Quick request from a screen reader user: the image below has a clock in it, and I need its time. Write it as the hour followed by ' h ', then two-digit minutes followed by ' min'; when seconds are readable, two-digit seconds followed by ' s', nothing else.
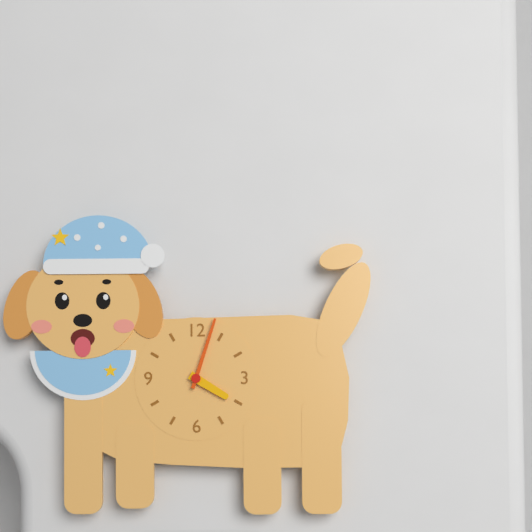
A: 4 h 03 min
